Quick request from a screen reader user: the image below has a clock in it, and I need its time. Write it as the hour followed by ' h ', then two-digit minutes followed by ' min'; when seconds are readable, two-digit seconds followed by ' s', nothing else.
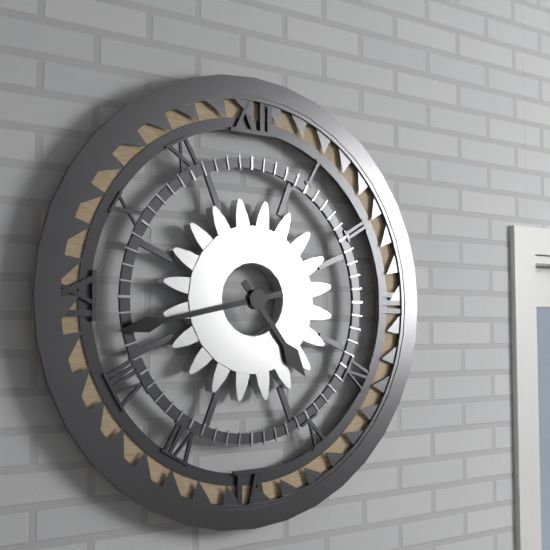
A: 4 h 43 min
